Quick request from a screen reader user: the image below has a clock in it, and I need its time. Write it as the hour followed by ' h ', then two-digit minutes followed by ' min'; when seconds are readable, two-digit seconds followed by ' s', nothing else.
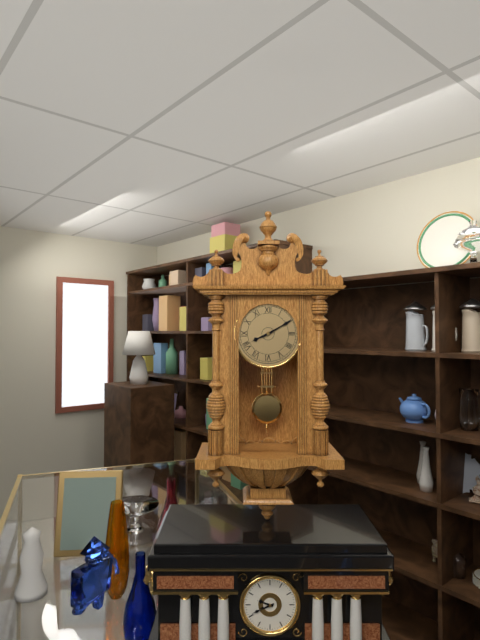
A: 8 h 10 min
